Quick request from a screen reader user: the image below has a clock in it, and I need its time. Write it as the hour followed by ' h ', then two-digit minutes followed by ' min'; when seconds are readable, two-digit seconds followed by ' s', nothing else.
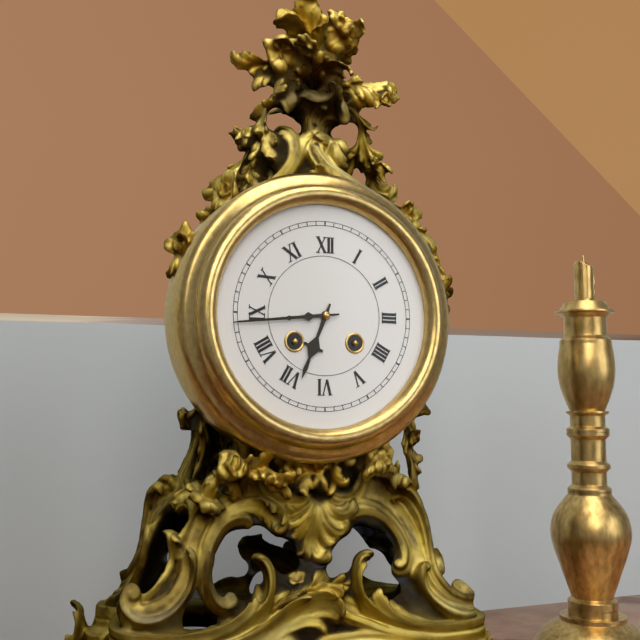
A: 6 h 44 min
